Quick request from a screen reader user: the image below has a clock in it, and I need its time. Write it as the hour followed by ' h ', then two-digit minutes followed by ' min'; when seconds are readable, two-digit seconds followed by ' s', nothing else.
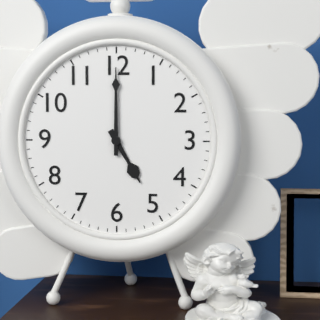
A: 5 h 00 min
